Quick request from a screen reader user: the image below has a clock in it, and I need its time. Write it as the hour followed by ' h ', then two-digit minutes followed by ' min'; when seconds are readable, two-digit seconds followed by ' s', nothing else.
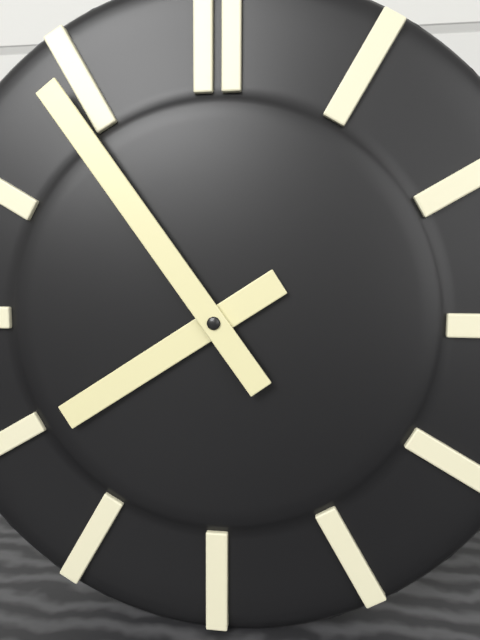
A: 7 h 54 min
